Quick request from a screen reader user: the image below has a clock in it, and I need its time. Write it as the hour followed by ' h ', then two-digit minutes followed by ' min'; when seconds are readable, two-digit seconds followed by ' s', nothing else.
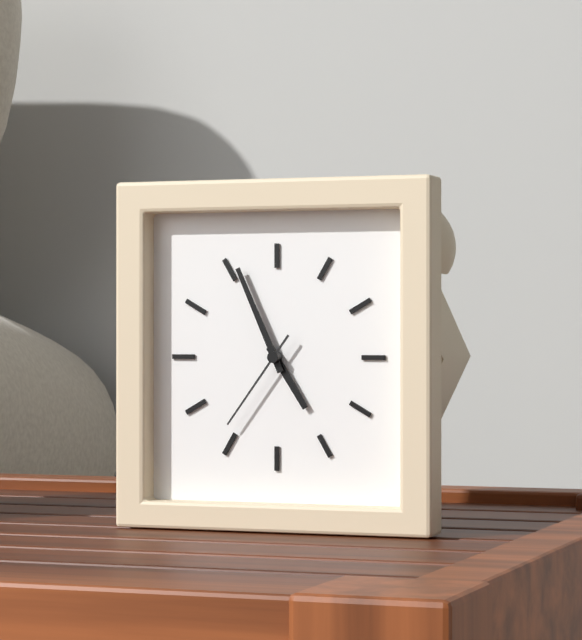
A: 4 h 56 min 36 s
